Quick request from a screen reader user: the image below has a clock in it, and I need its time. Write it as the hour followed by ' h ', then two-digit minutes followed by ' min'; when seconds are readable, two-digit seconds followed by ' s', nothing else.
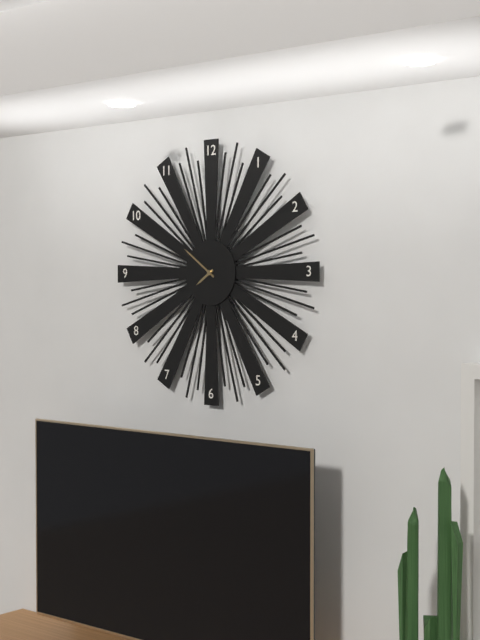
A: 7 h 51 min
